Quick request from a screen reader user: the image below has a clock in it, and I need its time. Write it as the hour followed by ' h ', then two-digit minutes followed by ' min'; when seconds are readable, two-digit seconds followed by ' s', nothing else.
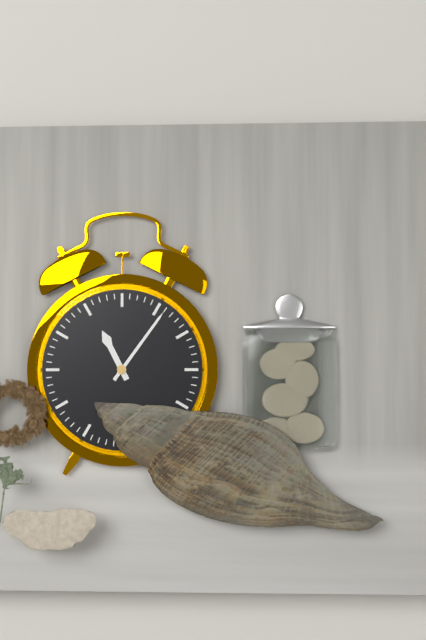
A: 11 h 06 min
